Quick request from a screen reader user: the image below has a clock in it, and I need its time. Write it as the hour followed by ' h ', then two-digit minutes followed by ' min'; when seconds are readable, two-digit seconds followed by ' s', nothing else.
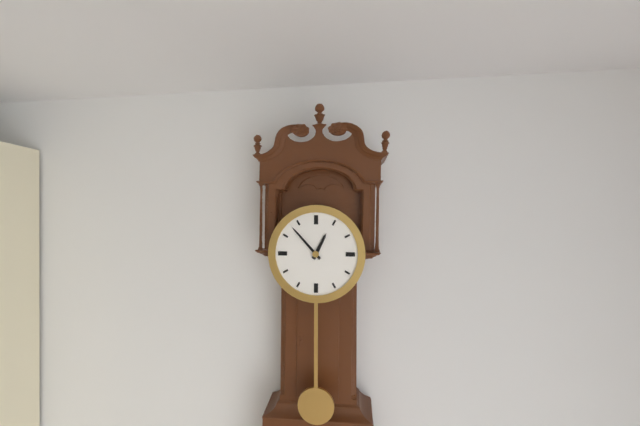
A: 12 h 53 min
